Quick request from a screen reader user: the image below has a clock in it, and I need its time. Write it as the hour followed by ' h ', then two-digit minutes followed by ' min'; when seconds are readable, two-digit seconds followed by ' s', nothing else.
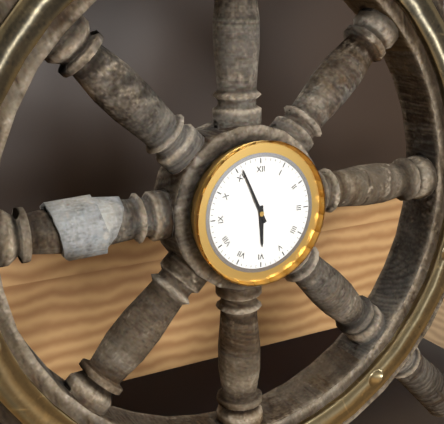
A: 5 h 56 min
